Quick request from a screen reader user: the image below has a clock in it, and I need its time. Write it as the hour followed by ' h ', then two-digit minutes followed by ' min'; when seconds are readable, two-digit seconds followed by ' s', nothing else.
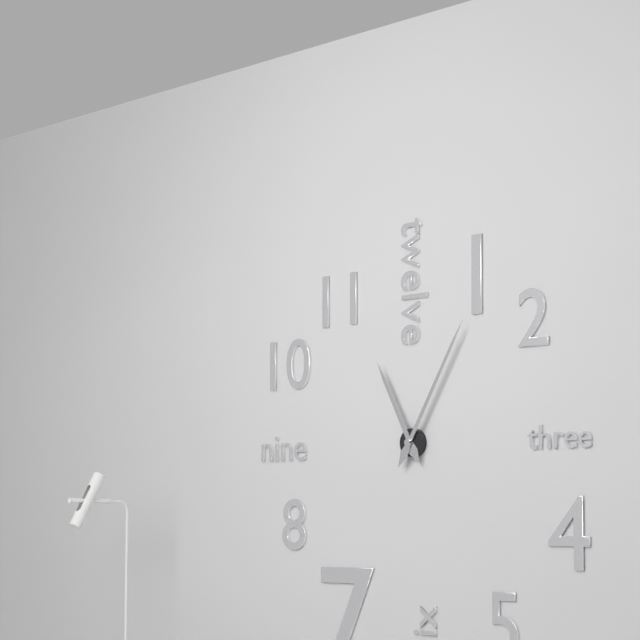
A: 11 h 05 min
